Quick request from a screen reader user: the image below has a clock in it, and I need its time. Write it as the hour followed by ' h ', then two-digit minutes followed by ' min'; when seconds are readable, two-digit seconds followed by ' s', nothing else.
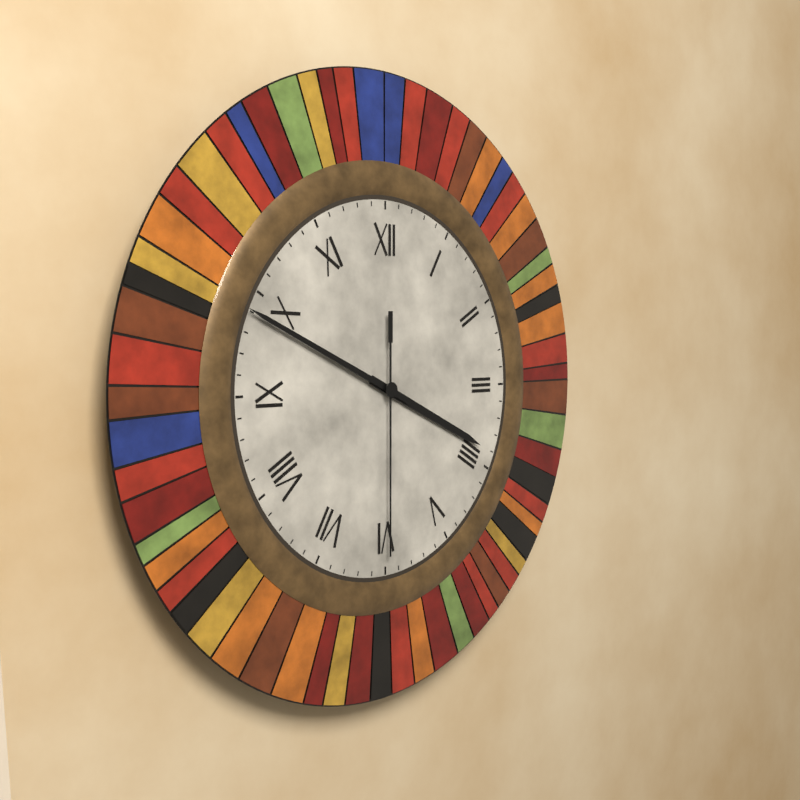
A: 3 h 49 min 30 s
